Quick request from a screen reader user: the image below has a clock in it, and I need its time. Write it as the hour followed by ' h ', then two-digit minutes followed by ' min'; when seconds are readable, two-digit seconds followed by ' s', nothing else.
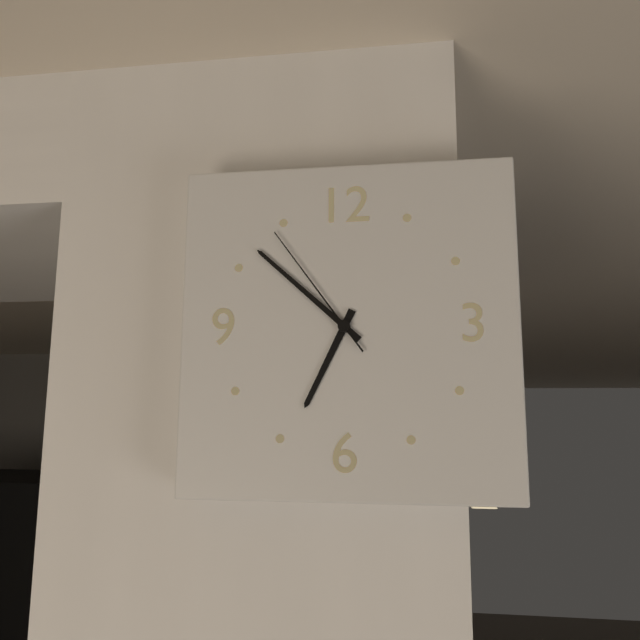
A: 6 h 52 min 54 s
